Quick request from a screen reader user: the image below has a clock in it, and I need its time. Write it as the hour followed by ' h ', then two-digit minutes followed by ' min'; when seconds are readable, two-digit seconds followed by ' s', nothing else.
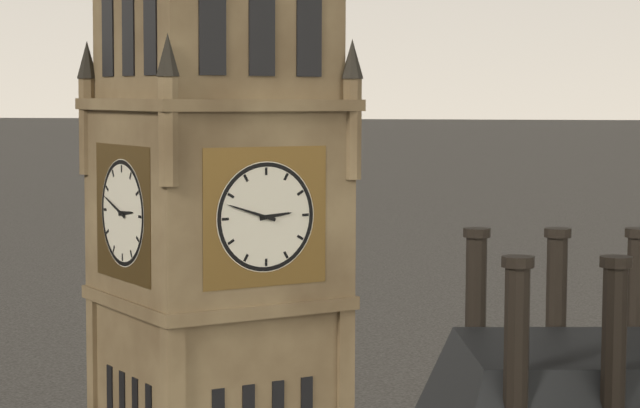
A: 2 h 48 min
